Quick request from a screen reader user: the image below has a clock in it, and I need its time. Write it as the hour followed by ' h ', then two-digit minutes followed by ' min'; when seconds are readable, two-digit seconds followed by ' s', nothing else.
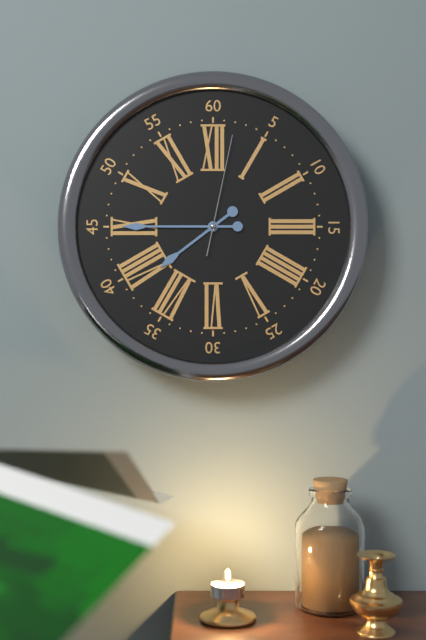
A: 7 h 45 min 02 s
